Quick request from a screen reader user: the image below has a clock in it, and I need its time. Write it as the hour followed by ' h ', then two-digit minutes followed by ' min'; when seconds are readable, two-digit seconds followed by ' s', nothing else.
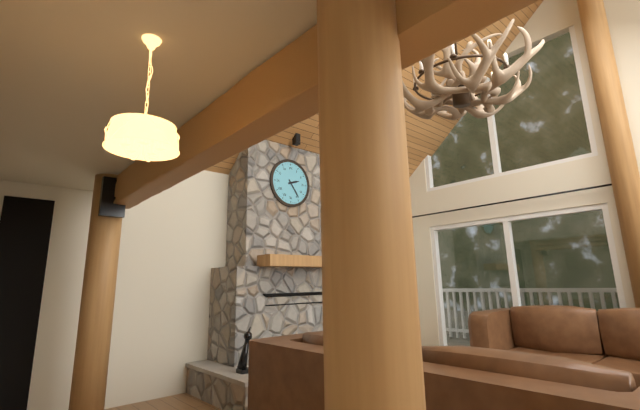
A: 2 h 24 min
